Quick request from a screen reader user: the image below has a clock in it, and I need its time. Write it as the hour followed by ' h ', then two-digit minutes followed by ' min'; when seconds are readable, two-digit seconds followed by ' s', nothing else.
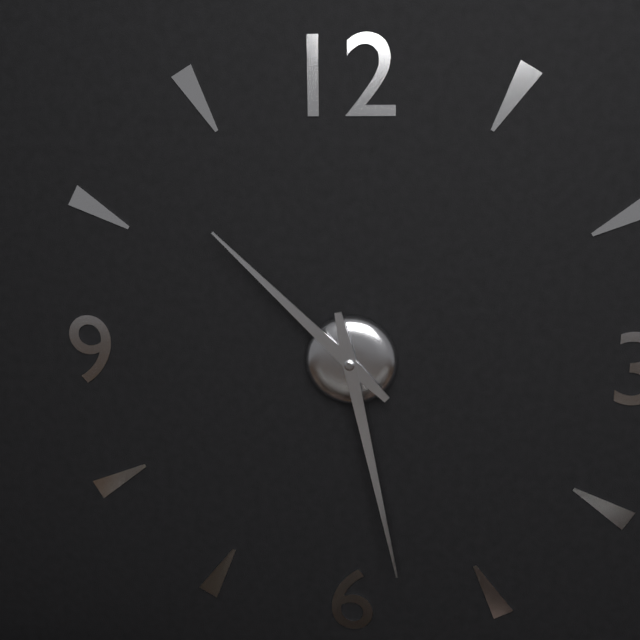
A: 10 h 28 min
